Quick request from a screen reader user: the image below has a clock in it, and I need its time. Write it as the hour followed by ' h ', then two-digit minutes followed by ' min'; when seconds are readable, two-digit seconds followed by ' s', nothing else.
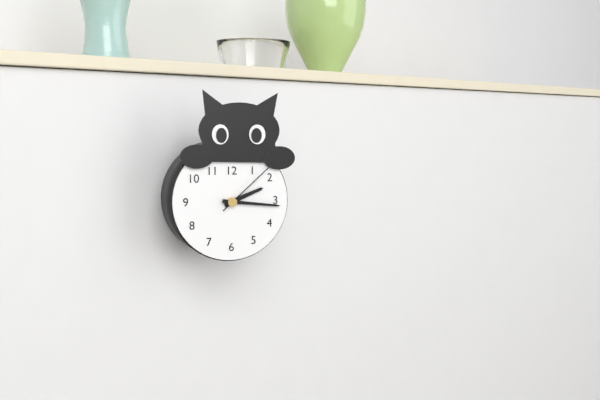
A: 2 h 16 min 08 s
